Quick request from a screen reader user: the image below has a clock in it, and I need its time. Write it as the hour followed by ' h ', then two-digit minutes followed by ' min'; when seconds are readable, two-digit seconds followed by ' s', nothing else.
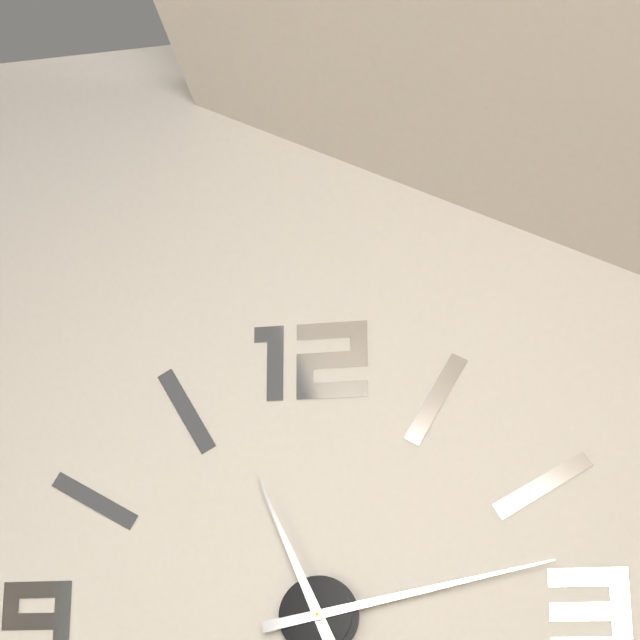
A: 11 h 13 min
